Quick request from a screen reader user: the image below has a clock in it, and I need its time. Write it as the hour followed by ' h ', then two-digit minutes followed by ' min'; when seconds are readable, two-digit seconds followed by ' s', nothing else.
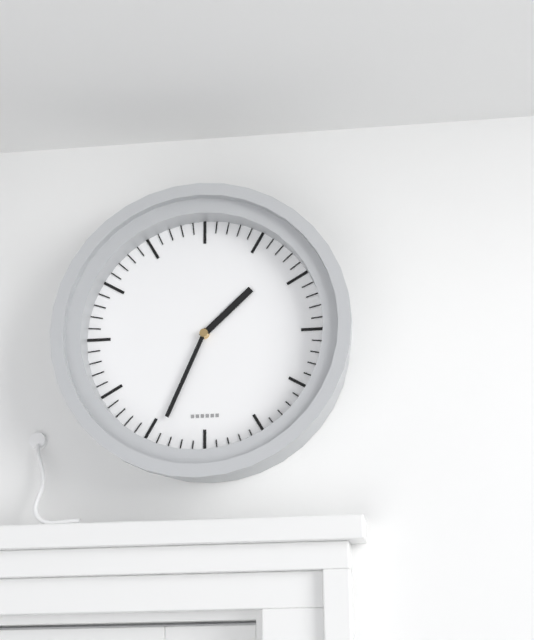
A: 1 h 34 min
